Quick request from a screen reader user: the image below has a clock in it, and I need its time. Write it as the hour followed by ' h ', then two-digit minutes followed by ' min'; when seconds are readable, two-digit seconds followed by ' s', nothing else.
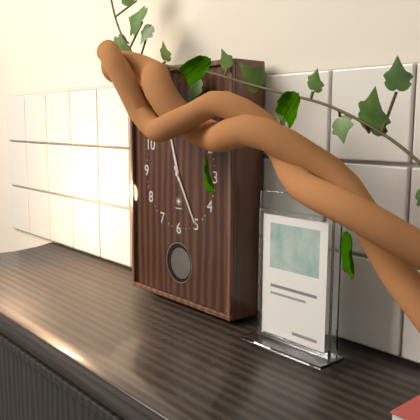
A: 11 h 25 min
